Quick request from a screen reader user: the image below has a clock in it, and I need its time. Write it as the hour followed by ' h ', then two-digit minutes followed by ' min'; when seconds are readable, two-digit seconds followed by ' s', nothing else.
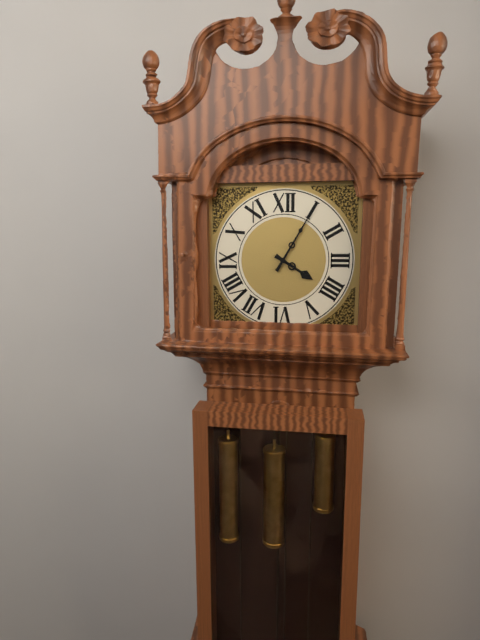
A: 4 h 05 min
